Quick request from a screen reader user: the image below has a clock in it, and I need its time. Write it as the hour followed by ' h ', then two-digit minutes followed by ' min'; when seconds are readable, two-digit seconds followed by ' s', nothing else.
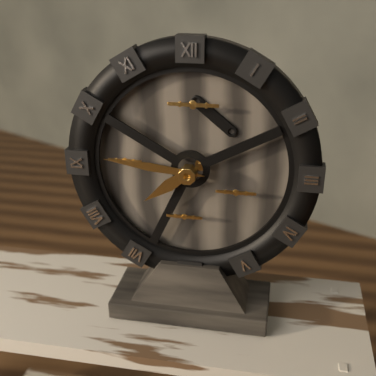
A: 7 h 46 min
